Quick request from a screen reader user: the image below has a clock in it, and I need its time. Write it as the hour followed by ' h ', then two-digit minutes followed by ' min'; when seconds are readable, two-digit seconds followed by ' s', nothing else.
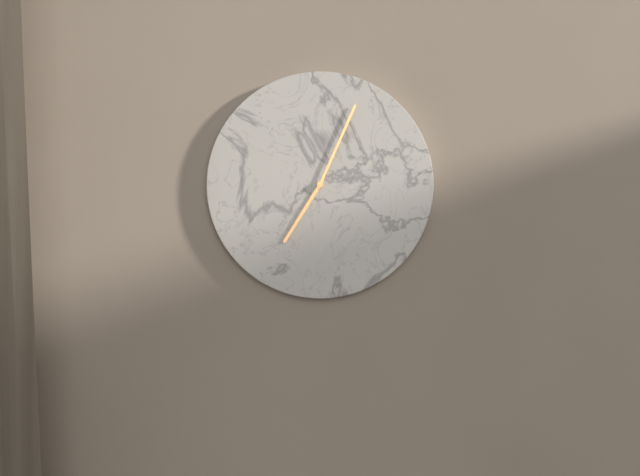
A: 7 h 04 min
